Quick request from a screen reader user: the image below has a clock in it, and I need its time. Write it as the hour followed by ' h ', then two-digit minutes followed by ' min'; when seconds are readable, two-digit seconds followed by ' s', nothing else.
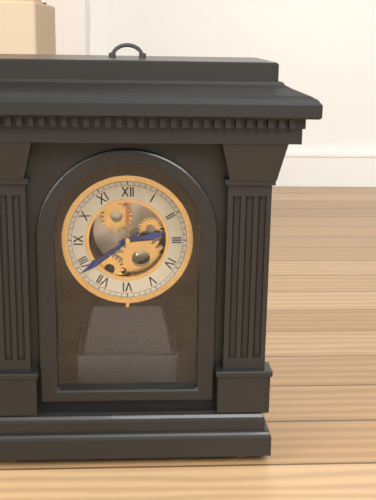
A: 2 h 39 min
